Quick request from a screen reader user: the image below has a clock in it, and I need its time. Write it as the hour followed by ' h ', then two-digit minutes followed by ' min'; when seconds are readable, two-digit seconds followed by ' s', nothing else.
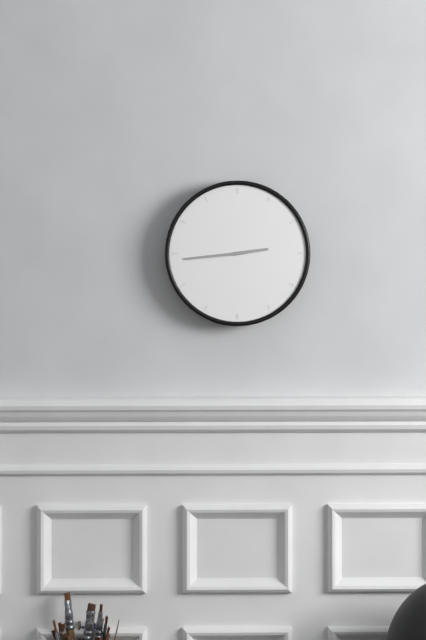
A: 2 h 44 min
